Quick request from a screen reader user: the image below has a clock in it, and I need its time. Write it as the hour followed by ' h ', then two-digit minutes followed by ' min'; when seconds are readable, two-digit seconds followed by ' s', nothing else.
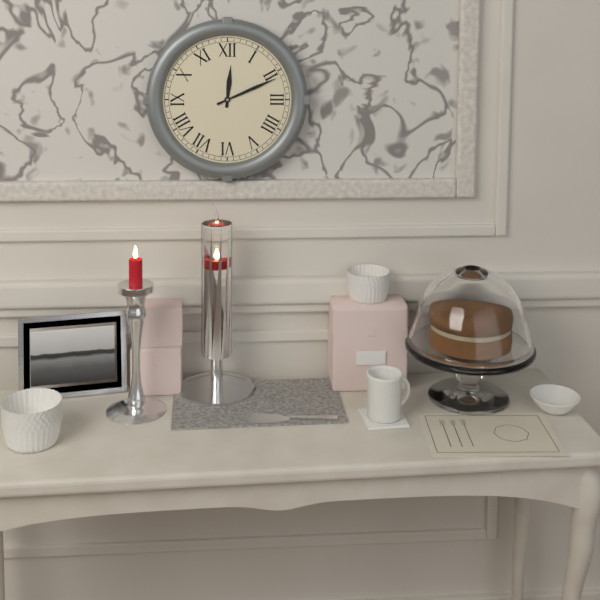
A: 12 h 11 min
